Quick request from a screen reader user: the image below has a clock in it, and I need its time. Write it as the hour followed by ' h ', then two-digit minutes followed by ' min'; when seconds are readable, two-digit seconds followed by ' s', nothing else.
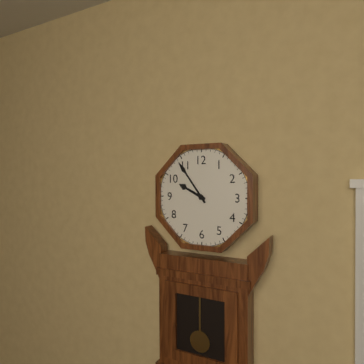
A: 9 h 54 min
